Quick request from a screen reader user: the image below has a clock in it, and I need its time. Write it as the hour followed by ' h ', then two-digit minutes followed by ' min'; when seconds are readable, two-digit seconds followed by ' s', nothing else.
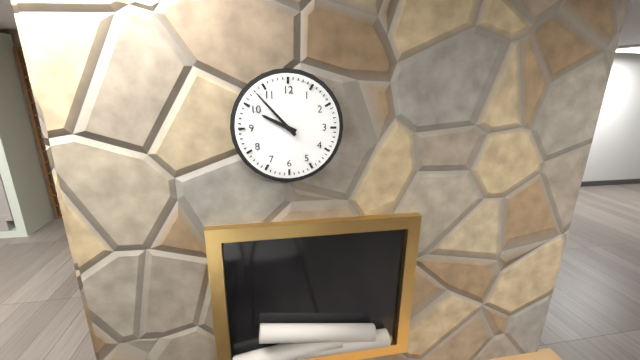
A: 9 h 53 min
